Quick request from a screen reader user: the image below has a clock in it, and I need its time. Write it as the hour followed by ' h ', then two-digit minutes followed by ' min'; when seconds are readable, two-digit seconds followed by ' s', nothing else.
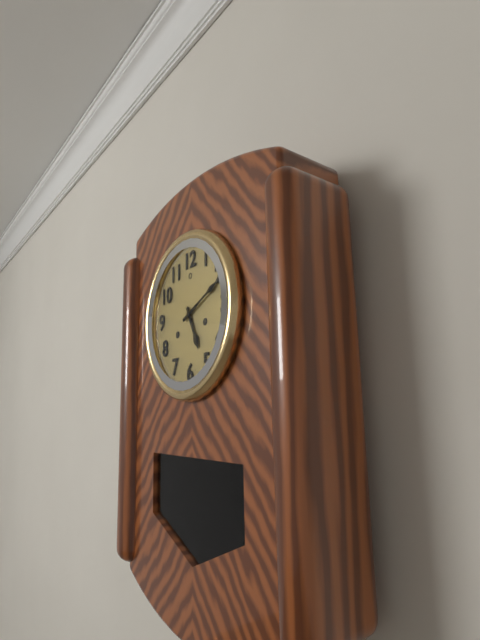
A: 5 h 11 min
